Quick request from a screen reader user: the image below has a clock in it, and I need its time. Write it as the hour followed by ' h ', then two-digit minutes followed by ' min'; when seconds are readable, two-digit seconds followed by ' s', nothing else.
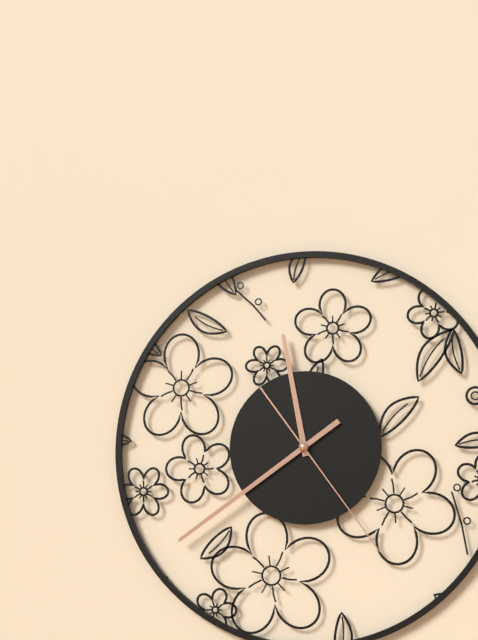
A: 11 h 39 min 24 s
